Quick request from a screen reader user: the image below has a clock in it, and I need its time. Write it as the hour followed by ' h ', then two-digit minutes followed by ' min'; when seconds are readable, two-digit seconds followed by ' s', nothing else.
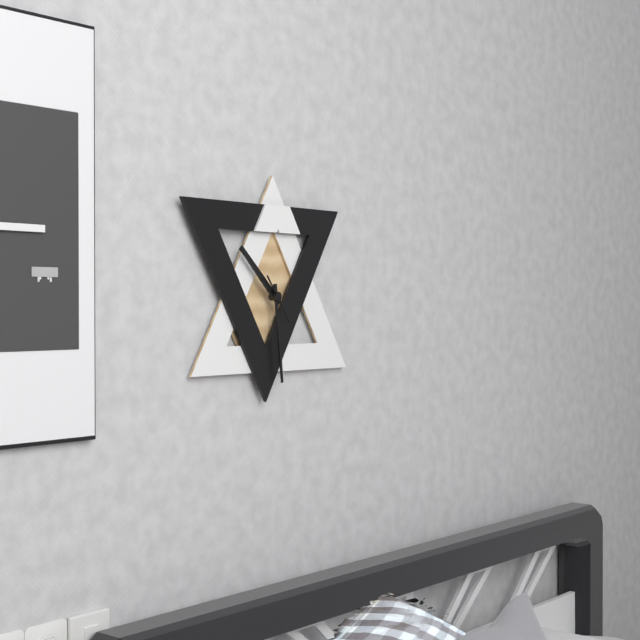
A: 10 h 29 min
